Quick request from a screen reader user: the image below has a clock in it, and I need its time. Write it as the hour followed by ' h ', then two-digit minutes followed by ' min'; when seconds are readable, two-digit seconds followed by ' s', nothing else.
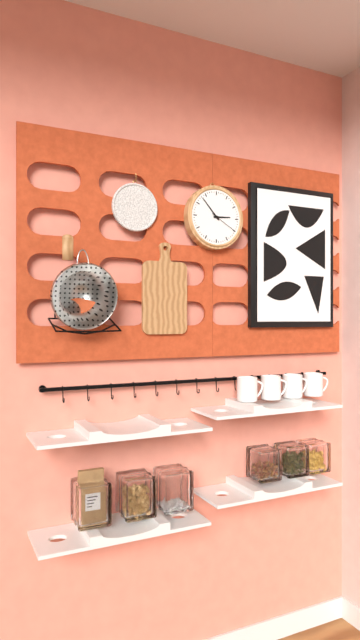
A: 2 h 53 min
